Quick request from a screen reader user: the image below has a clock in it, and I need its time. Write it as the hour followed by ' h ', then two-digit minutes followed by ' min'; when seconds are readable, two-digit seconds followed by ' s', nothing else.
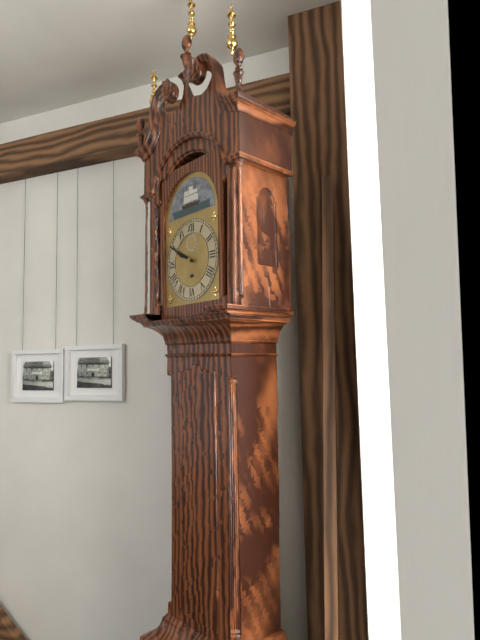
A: 9 h 50 min
